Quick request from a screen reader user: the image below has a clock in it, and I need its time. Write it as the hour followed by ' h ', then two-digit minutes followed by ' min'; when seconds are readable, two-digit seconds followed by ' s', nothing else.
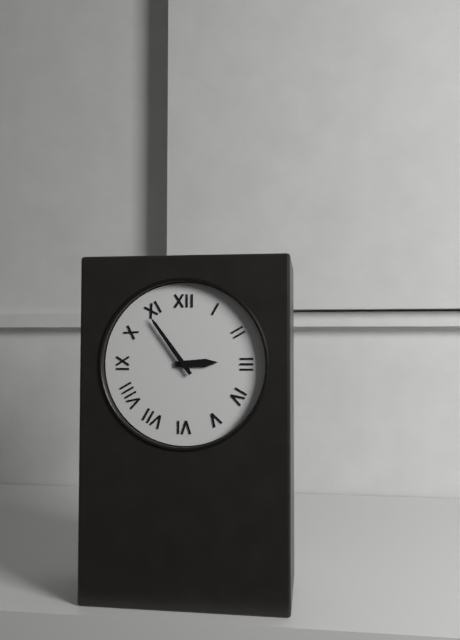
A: 2 h 54 min
